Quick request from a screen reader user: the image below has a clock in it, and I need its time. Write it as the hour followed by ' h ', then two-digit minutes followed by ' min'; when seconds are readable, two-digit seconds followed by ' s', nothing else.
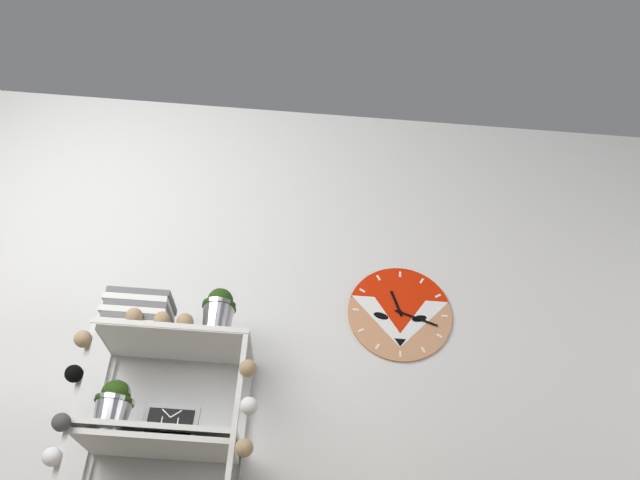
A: 11 h 18 min
